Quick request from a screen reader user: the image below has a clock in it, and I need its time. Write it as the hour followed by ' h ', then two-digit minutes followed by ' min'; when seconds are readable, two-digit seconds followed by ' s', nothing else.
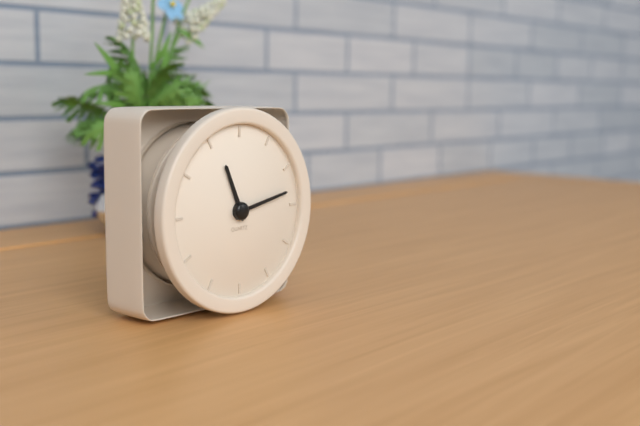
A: 11 h 13 min
